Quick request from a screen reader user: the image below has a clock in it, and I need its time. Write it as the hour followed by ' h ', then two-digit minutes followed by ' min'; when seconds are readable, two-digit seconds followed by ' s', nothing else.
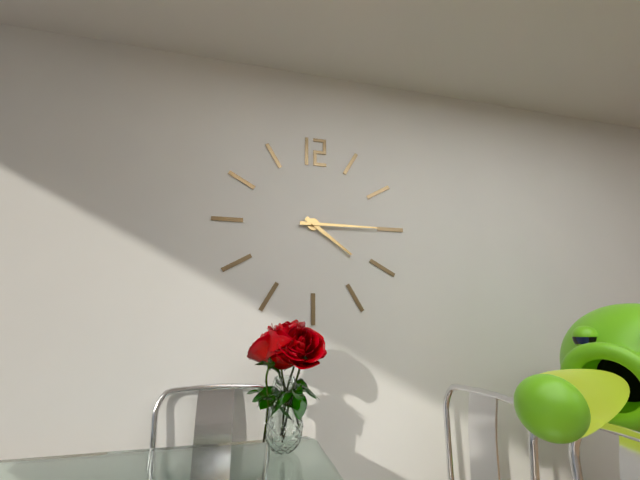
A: 4 h 15 min
